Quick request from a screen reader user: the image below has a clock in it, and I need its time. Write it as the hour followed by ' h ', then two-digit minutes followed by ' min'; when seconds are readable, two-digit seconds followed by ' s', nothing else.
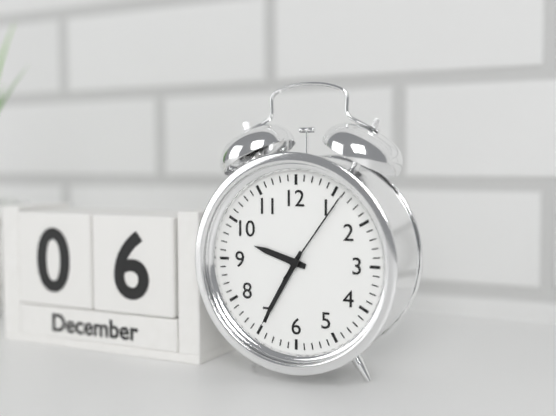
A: 9 h 35 min 06 s
